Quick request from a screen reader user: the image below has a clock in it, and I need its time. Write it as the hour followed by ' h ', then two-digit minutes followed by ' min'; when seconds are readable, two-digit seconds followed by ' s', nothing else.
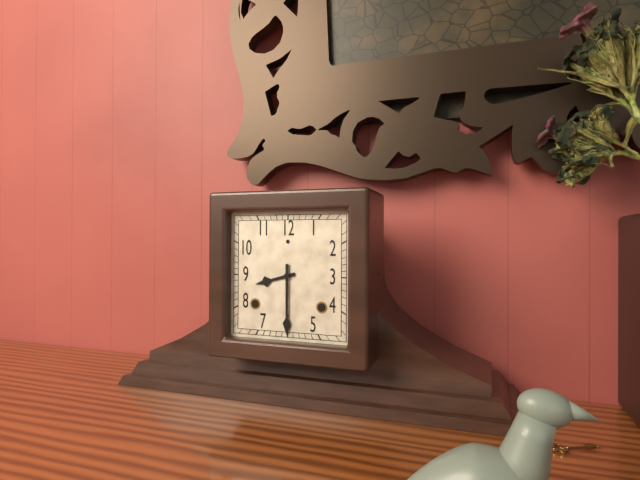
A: 8 h 30 min
